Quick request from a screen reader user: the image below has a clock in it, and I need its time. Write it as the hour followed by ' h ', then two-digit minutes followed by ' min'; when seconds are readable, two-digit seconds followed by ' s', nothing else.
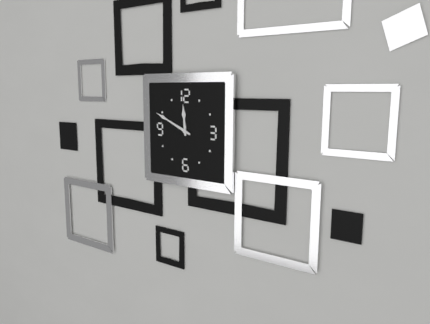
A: 11 h 49 min
